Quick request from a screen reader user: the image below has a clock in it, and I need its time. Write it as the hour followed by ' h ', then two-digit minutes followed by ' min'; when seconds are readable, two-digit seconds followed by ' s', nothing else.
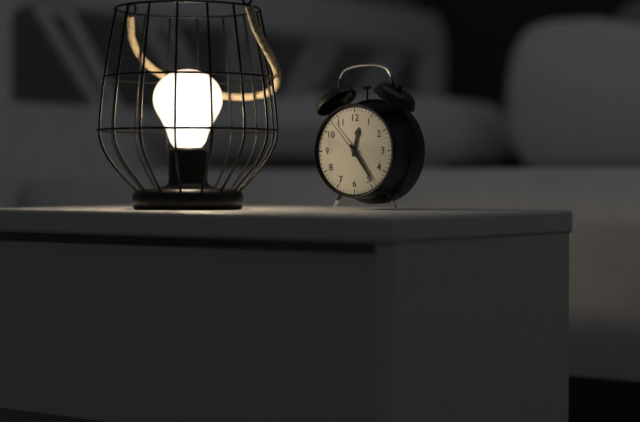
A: 12 h 24 min
